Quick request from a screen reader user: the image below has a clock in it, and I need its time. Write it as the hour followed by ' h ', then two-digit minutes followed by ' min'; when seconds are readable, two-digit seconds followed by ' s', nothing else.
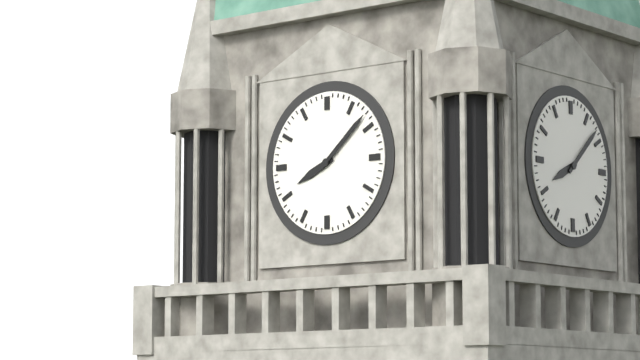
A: 8 h 08 min
